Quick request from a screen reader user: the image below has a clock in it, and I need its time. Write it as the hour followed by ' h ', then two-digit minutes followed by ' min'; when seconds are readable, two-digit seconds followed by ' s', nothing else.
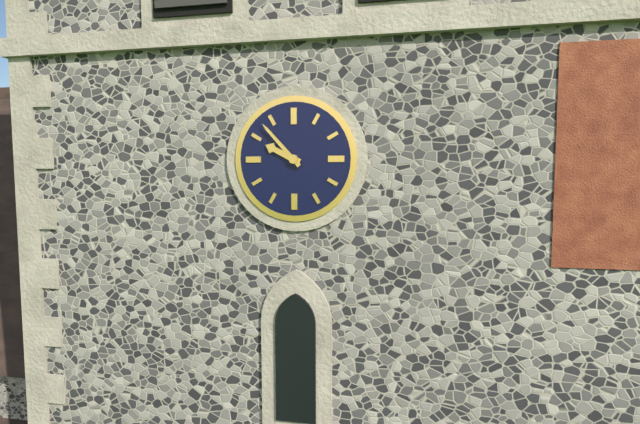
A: 9 h 53 min
